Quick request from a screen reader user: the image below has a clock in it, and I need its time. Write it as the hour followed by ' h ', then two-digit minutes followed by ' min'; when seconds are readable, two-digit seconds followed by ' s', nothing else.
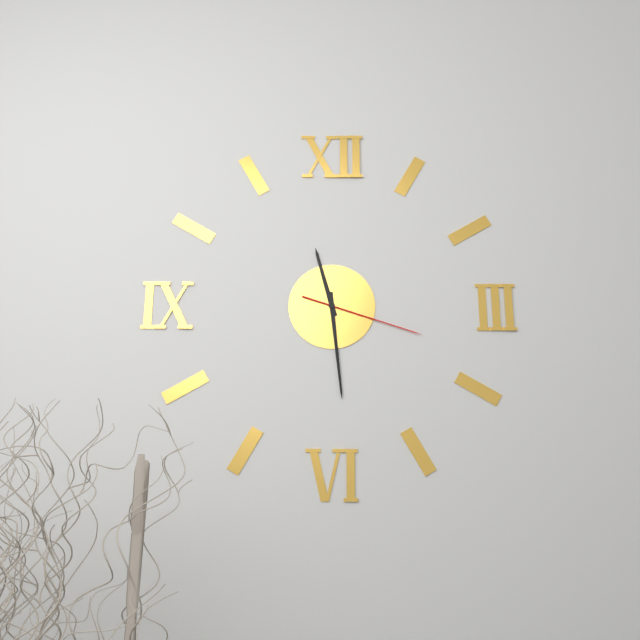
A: 11 h 29 min 18 s
